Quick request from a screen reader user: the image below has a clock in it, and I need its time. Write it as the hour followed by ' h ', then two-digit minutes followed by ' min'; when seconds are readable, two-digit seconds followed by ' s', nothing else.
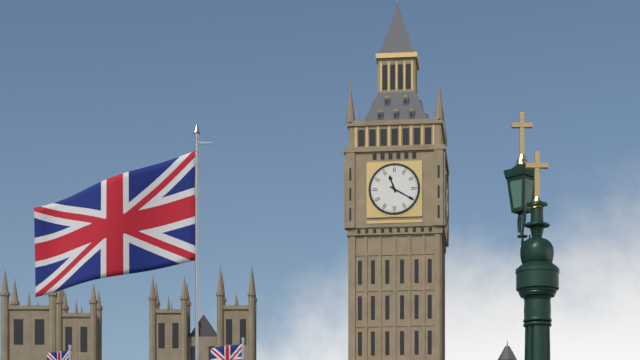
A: 11 h 20 min
